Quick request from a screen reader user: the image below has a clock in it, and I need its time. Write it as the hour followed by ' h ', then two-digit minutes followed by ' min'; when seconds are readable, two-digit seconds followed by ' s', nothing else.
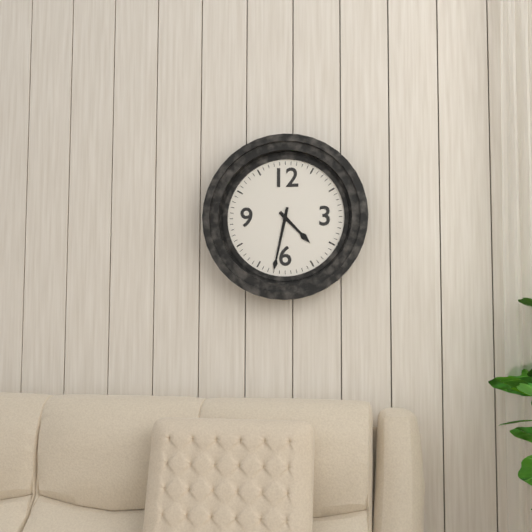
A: 4 h 32 min
